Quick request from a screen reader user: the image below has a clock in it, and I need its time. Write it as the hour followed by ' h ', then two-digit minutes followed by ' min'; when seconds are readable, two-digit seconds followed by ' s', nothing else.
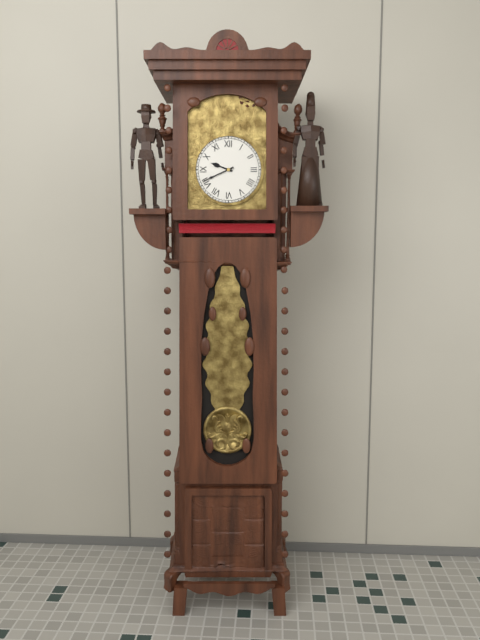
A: 9 h 41 min
